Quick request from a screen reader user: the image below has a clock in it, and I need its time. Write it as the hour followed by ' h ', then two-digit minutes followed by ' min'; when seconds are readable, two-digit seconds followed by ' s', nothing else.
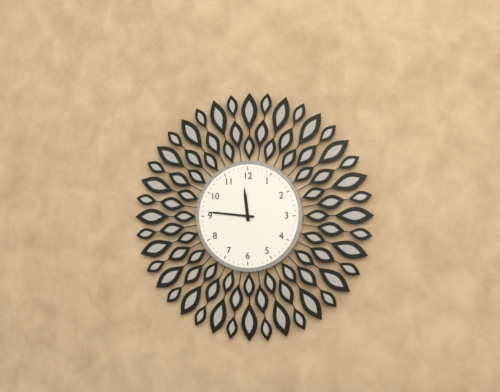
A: 11 h 46 min
